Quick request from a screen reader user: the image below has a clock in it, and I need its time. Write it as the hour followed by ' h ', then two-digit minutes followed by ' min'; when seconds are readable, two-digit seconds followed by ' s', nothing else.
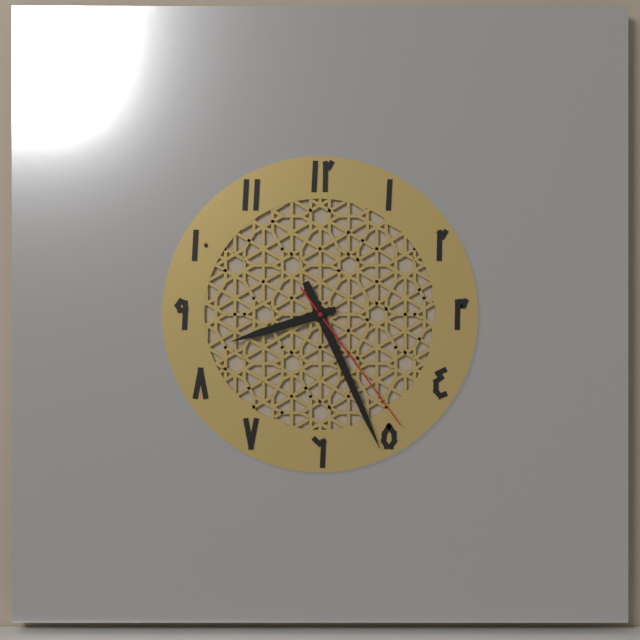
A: 8 h 26 min 24 s
